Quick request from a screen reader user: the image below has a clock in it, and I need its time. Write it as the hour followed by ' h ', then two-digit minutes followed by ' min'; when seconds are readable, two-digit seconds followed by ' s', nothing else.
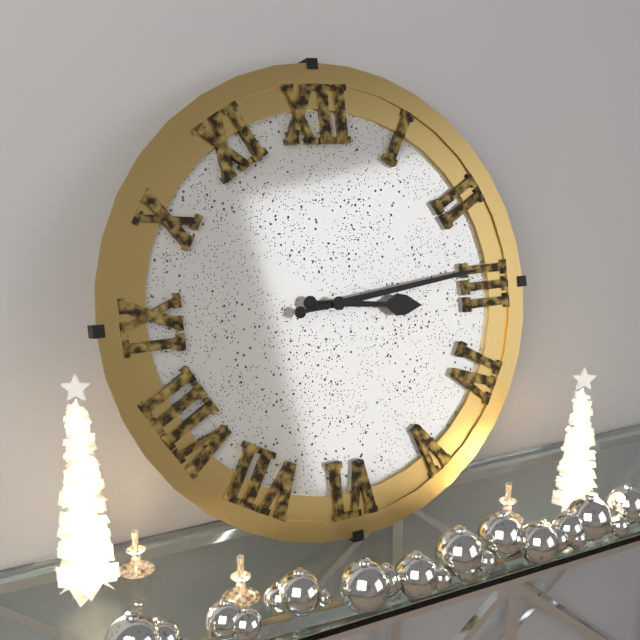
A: 3 h 14 min
